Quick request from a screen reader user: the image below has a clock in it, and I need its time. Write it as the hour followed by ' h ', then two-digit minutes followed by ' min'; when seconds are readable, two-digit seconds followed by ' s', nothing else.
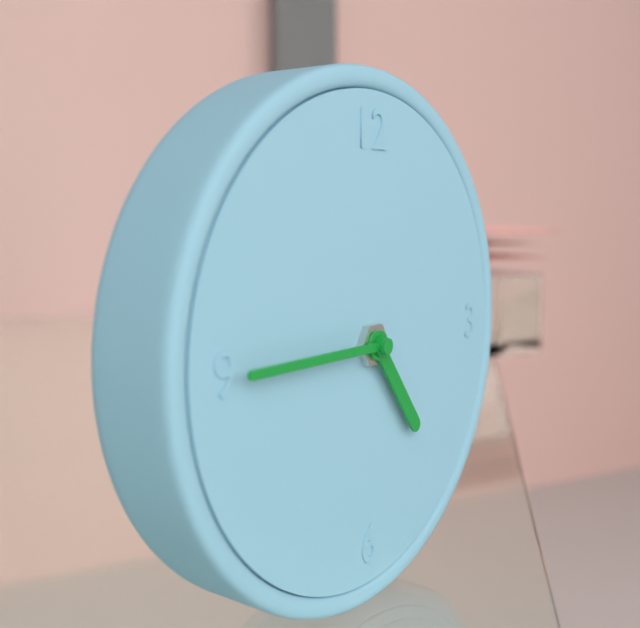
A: 4 h 45 min
